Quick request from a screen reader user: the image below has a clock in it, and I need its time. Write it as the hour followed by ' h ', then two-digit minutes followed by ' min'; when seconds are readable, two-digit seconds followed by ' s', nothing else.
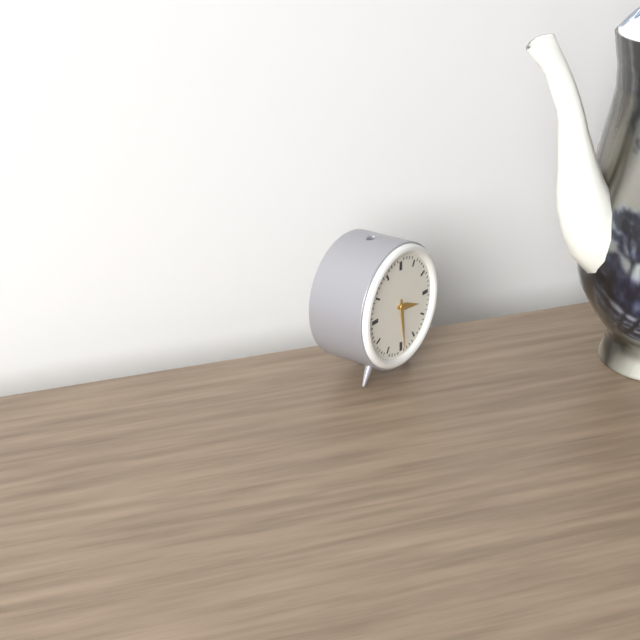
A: 3 h 29 min
